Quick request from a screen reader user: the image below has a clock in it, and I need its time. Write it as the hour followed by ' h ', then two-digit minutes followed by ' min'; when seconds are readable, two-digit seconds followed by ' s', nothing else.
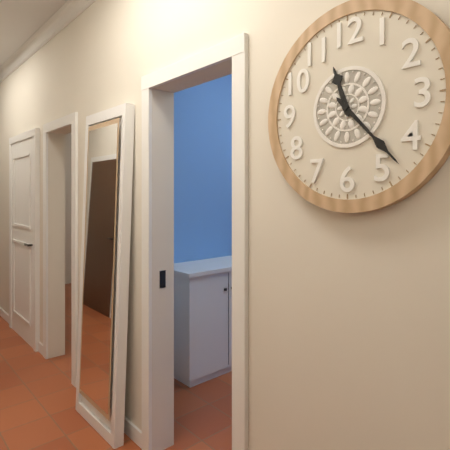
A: 11 h 23 min
